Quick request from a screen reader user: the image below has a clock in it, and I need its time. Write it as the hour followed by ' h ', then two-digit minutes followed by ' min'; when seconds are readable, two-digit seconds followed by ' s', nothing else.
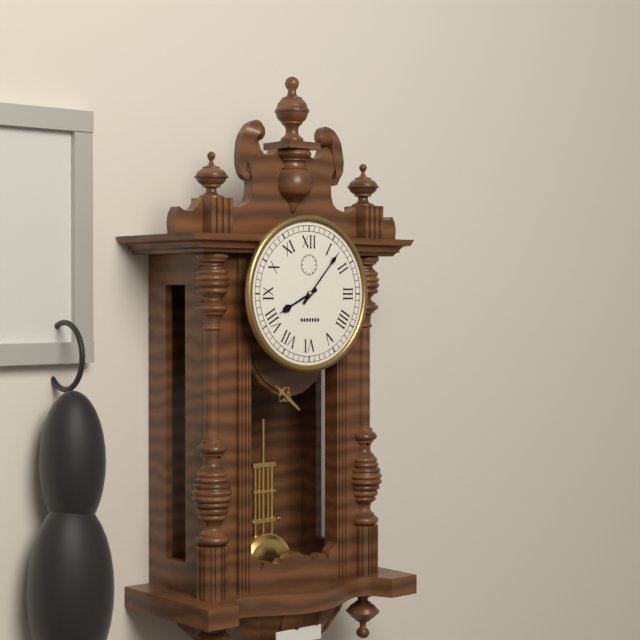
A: 8 h 07 min
